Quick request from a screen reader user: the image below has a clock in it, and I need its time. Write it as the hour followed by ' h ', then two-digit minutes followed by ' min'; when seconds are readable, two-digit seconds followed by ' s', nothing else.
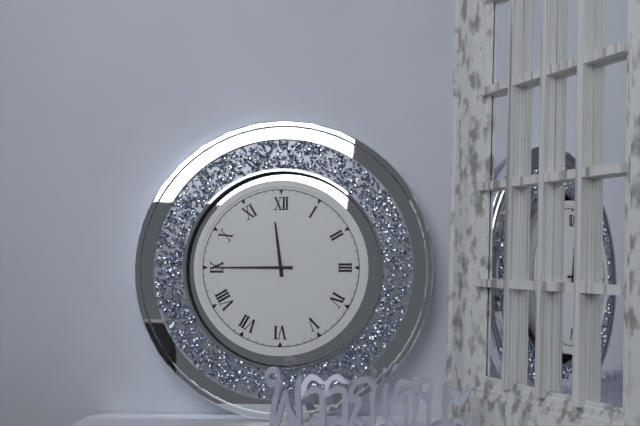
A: 11 h 45 min
